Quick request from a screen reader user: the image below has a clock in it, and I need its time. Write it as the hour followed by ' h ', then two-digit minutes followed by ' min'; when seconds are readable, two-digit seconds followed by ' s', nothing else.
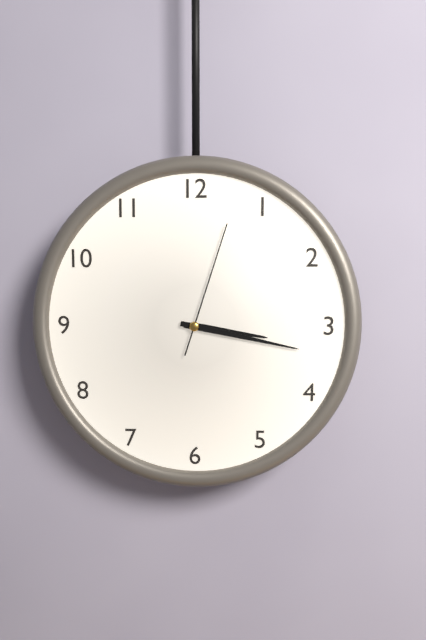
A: 3 h 17 min 03 s
